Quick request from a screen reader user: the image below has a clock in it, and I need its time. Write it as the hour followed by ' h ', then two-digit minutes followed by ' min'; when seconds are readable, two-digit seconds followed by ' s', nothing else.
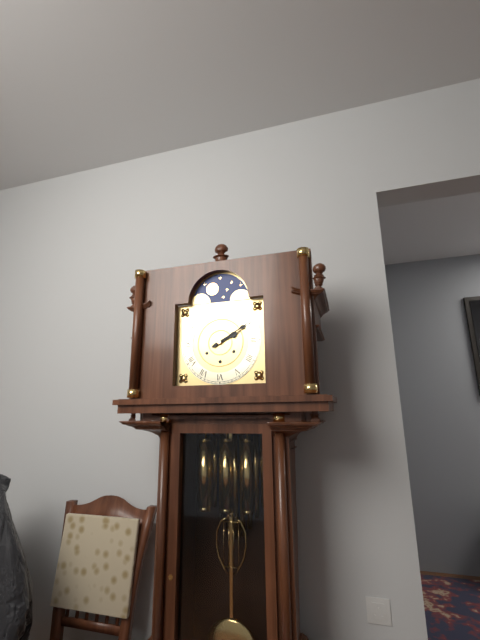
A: 2 h 10 min
